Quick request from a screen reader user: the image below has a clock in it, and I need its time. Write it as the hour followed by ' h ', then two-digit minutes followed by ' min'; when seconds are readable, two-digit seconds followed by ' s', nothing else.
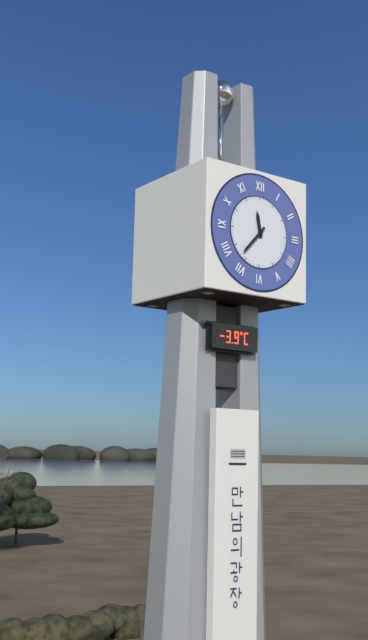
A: 11 h 37 min
